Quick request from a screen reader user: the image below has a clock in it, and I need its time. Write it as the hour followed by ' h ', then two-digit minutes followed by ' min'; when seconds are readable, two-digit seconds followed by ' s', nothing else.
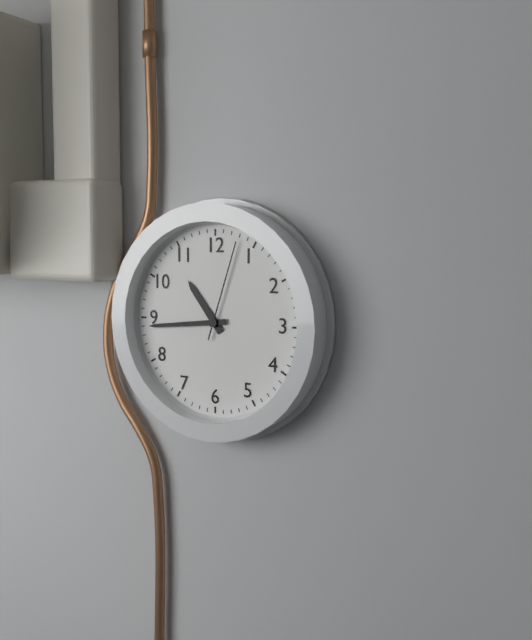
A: 10 h 44 min 03 s
